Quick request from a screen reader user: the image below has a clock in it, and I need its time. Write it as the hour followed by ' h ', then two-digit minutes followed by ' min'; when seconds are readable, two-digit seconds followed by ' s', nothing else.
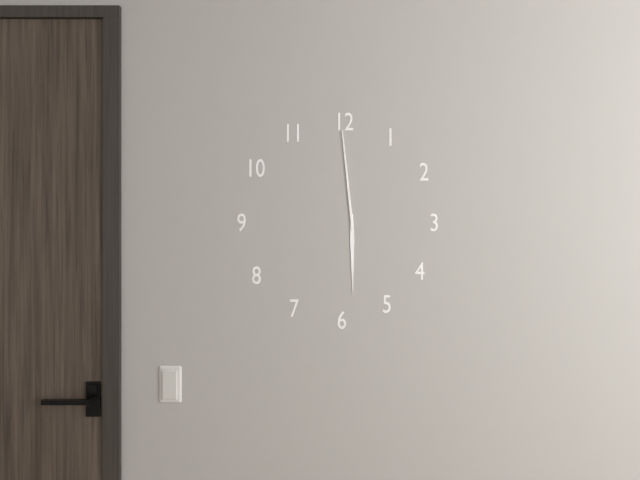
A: 5 h 59 min
